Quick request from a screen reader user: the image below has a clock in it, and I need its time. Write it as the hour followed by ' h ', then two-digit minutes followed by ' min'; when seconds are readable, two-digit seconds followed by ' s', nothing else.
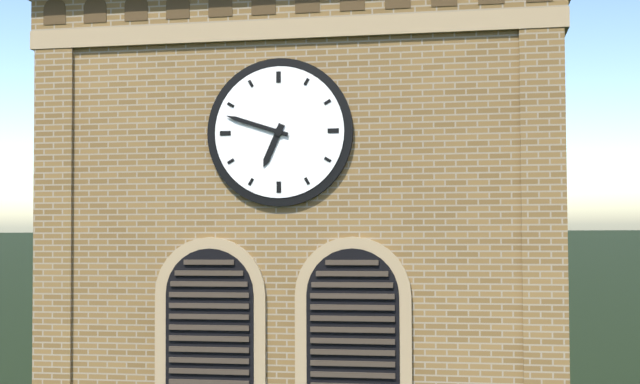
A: 6 h 48 min
